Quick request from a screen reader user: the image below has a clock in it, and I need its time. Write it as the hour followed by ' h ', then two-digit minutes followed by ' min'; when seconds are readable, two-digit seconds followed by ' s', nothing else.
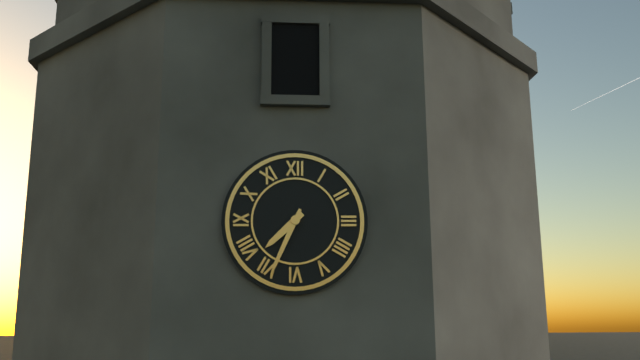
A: 7 h 34 min
